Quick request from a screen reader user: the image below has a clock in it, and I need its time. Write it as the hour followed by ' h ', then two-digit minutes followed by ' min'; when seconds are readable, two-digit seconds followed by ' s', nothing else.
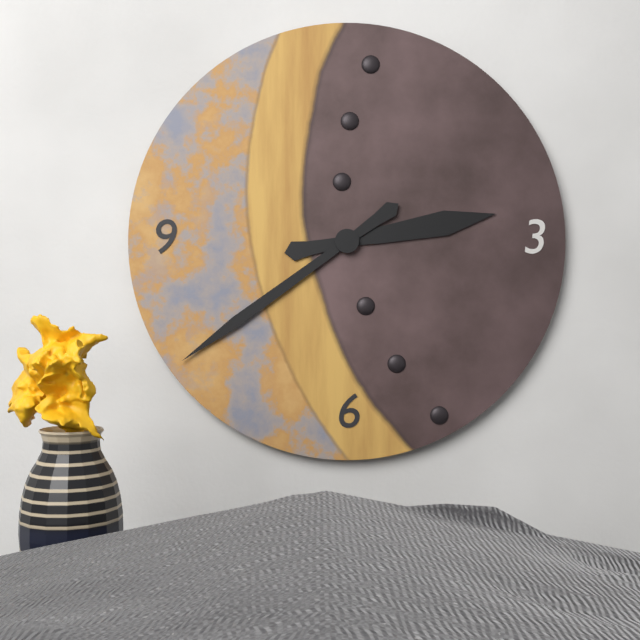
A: 2 h 39 min
